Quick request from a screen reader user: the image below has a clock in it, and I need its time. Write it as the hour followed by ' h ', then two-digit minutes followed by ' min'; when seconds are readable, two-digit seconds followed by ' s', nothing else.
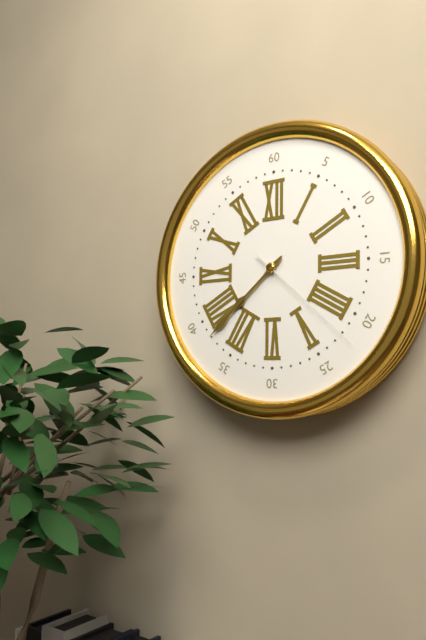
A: 7 h 38 min 22 s
